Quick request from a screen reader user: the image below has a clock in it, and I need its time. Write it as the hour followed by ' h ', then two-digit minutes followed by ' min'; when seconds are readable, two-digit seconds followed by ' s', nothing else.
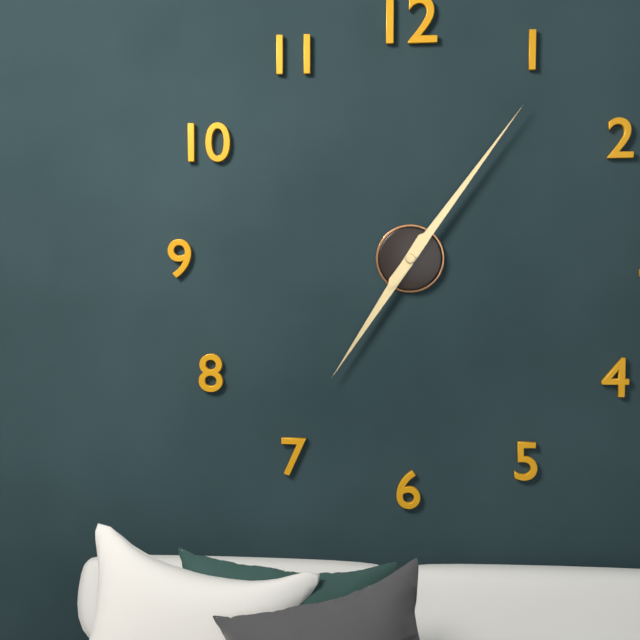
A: 7 h 06 min
